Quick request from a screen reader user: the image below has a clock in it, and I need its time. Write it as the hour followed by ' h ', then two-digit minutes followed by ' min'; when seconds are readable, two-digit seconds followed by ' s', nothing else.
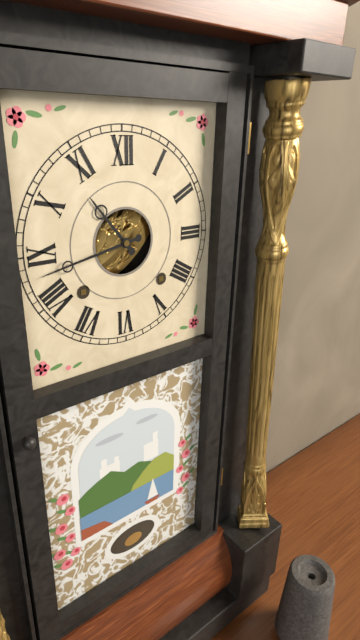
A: 10 h 43 min
